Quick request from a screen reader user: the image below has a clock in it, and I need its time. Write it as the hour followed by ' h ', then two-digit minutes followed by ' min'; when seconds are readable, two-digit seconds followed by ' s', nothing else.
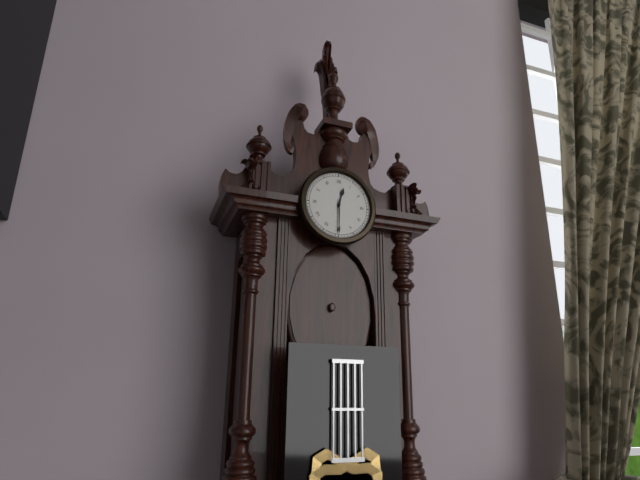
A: 12 h 30 min
